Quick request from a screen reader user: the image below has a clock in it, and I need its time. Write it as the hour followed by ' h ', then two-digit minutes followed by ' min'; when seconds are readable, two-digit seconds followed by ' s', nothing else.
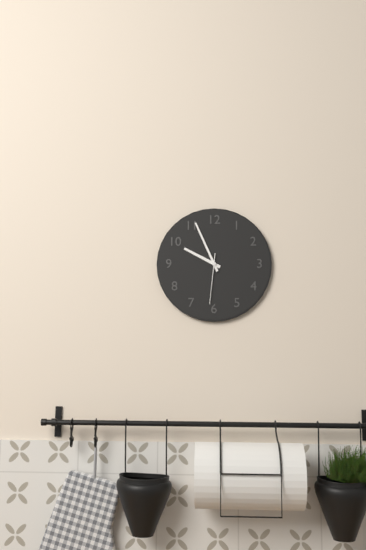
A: 9 h 56 min 31 s
